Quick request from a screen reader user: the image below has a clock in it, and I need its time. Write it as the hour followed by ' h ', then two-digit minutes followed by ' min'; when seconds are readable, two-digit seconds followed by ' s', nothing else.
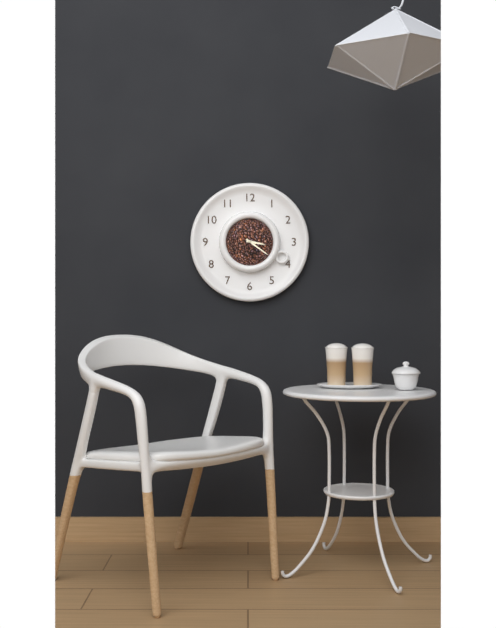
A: 3 h 21 min
